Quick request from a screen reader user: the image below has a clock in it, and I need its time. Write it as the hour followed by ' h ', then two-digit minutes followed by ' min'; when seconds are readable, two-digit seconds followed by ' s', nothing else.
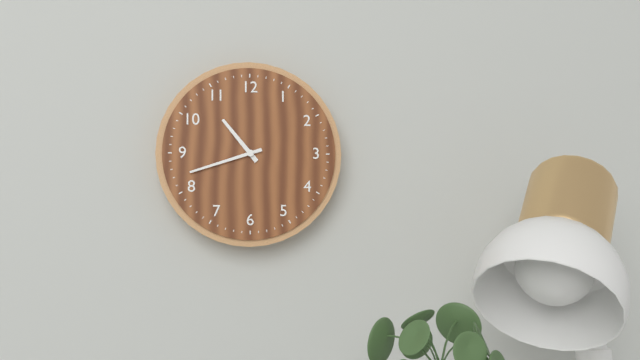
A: 10 h 42 min
